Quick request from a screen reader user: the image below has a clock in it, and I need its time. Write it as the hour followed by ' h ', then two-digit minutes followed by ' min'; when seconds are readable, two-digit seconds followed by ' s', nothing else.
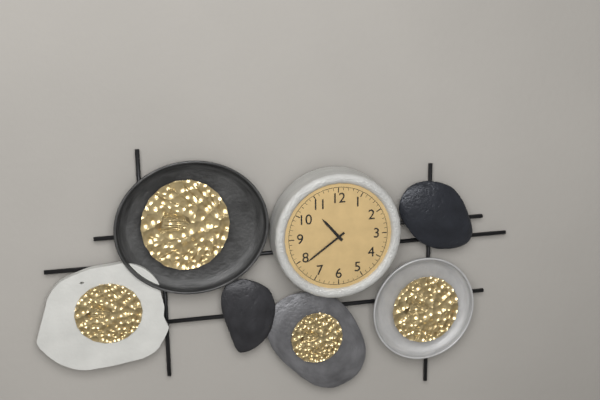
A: 10 h 39 min
